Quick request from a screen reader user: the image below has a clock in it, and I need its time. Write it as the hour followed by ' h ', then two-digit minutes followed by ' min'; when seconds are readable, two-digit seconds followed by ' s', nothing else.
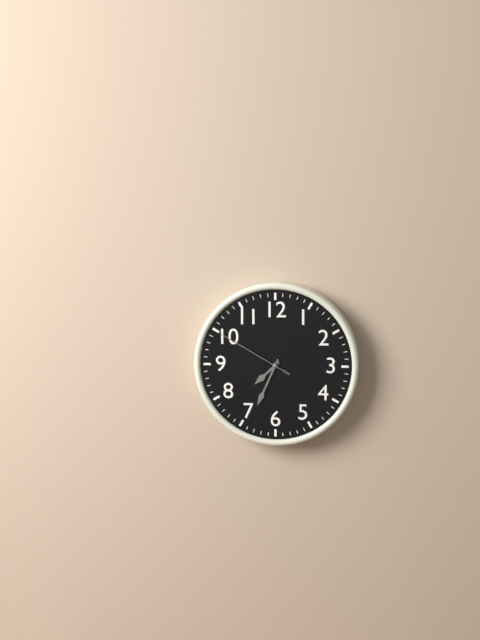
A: 7 h 34 min 50 s
